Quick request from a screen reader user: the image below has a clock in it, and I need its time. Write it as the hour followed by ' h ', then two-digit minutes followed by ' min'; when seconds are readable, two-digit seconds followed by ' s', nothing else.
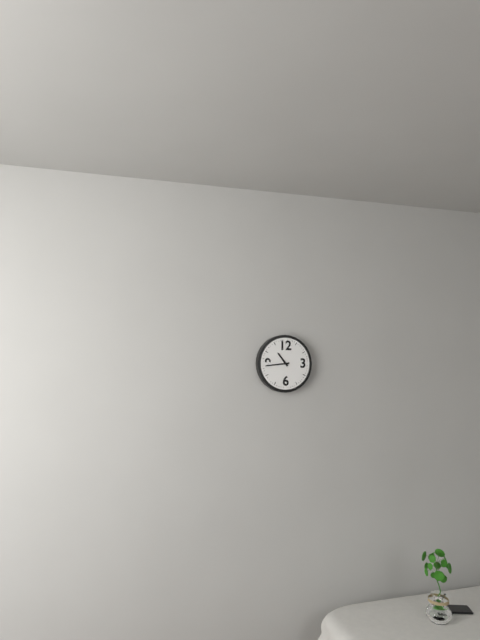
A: 10 h 44 min
